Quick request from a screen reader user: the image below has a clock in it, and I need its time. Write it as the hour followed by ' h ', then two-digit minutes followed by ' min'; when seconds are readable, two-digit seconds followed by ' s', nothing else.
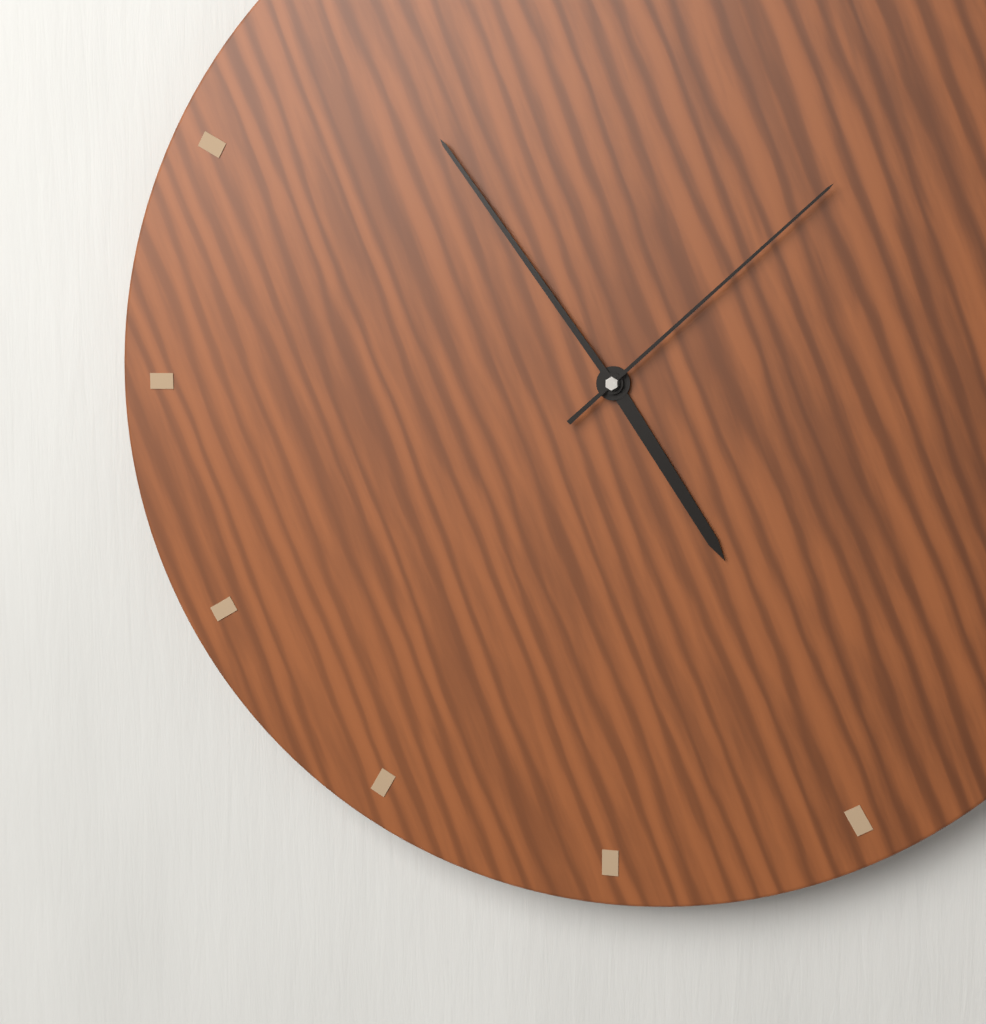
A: 4 h 54 min 08 s
